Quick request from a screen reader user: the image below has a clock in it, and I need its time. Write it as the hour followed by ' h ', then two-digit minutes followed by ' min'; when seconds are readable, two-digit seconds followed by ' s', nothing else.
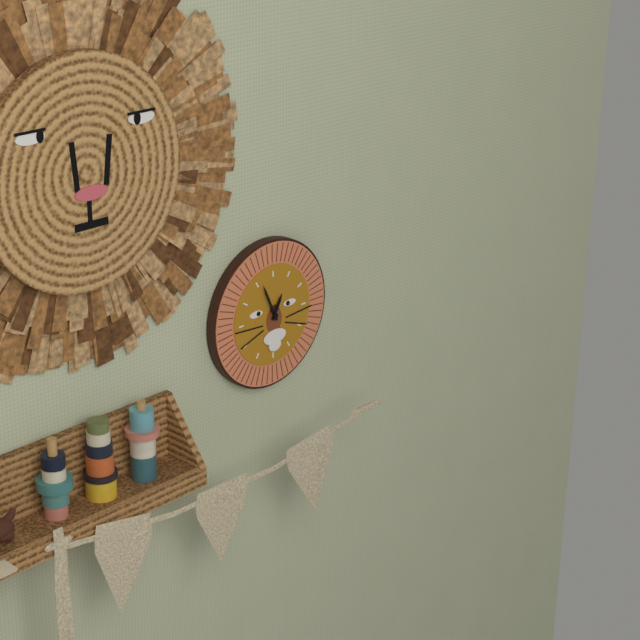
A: 12 h 56 min
